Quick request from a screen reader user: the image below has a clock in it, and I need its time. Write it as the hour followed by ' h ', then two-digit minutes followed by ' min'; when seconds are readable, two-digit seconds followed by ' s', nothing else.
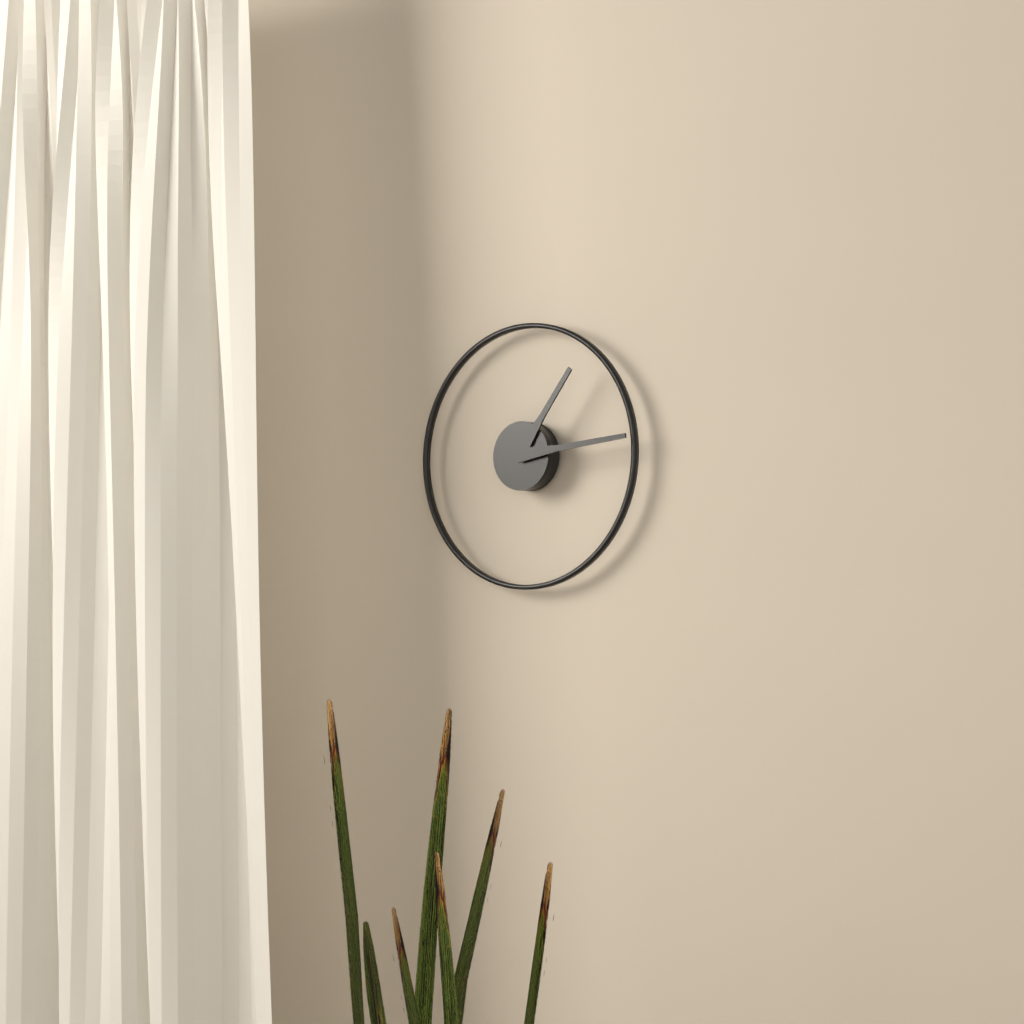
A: 1 h 14 min
